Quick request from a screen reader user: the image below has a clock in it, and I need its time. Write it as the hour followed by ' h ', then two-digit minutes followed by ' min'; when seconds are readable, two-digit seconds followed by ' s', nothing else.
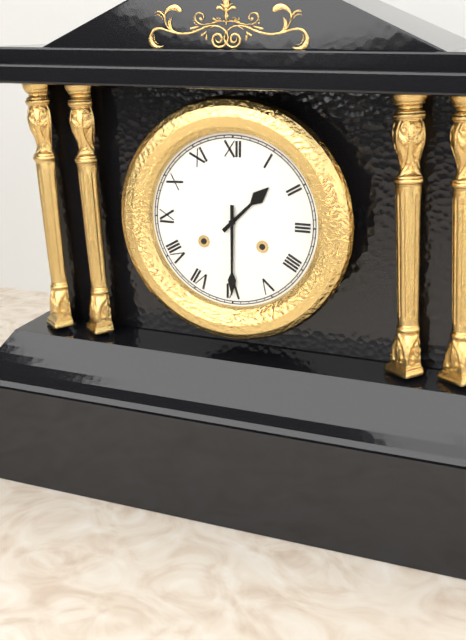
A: 1 h 30 min
